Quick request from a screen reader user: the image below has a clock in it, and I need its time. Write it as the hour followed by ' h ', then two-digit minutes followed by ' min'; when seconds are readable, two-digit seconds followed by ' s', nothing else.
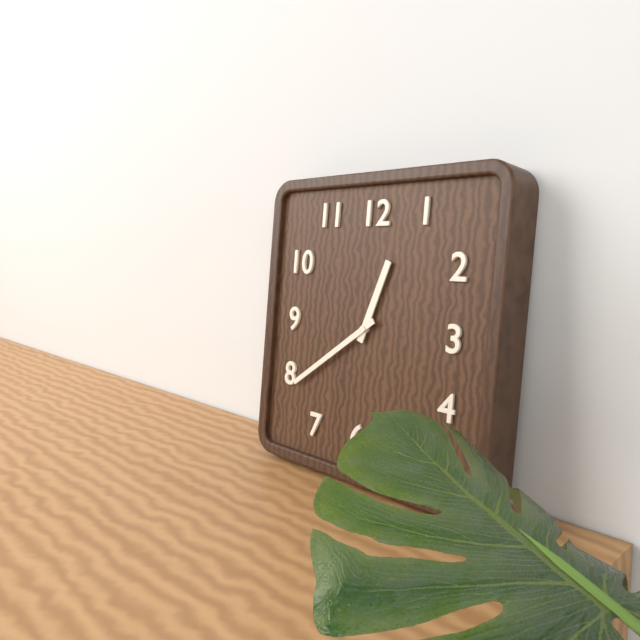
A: 12 h 39 min
